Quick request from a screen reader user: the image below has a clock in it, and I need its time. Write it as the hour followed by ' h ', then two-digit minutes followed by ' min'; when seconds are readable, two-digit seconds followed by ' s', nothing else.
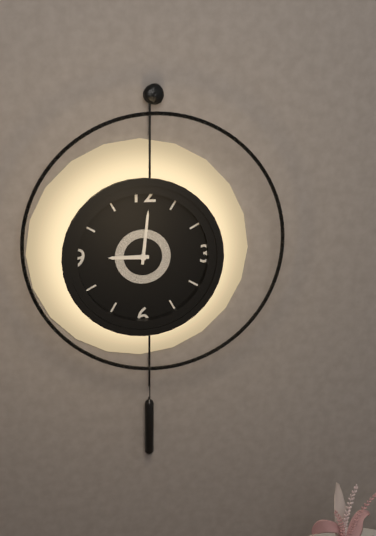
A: 9 h 01 min
